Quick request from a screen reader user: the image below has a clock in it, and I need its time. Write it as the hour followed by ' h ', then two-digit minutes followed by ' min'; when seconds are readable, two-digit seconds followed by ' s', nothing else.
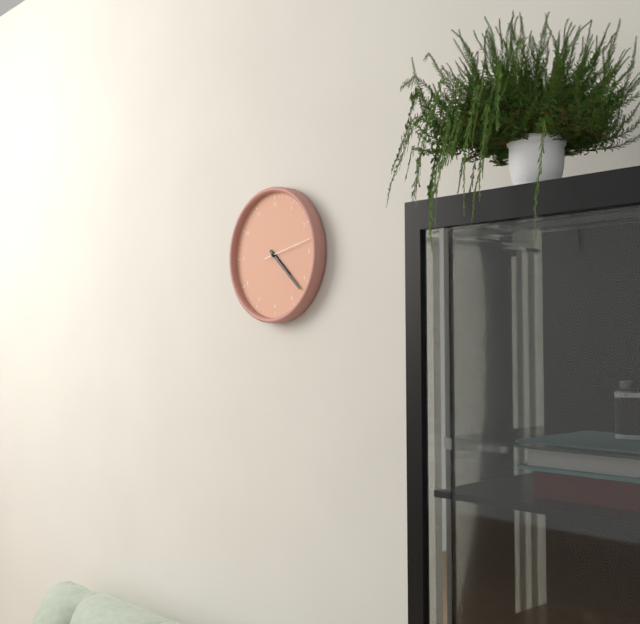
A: 4 h 22 min 13 s
